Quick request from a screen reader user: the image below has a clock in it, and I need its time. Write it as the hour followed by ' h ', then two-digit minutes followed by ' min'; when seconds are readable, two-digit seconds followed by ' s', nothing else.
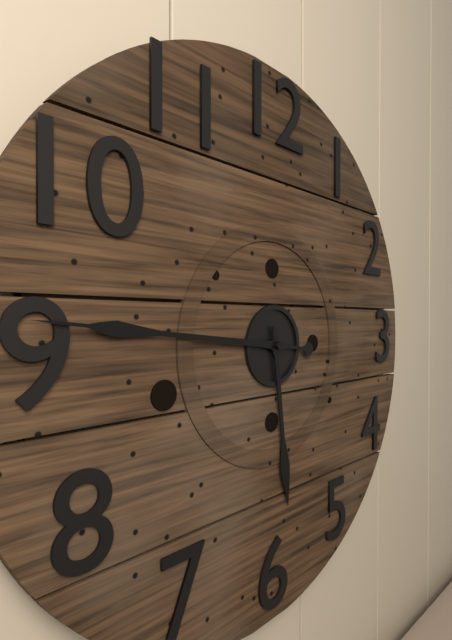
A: 5 h 46 min
